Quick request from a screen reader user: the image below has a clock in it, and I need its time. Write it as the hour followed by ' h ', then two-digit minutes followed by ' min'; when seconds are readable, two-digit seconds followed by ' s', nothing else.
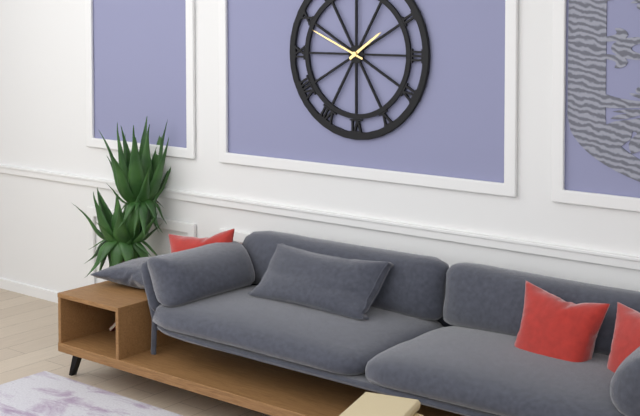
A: 1 h 49 min
